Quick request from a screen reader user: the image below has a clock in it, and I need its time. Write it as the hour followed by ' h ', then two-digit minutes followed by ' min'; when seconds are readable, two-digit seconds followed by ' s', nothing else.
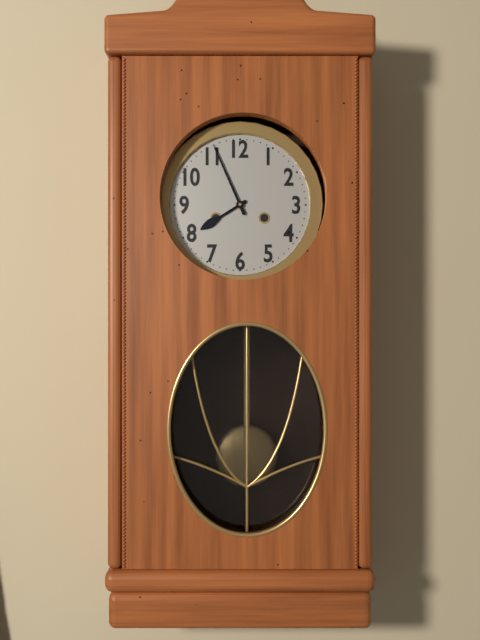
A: 7 h 56 min
